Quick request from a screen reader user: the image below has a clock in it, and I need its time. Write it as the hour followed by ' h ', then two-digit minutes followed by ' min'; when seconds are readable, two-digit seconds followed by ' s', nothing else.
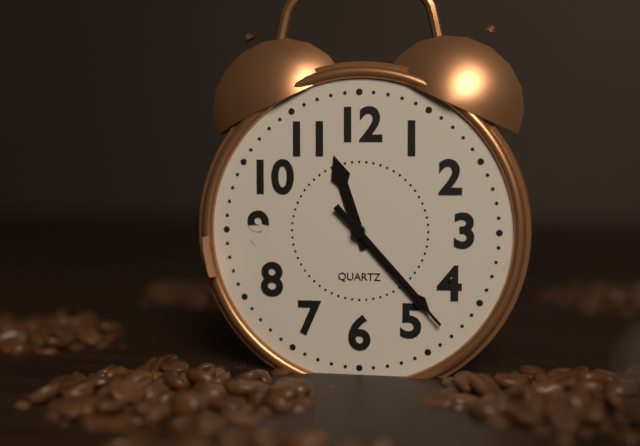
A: 11 h 23 min 23 s
